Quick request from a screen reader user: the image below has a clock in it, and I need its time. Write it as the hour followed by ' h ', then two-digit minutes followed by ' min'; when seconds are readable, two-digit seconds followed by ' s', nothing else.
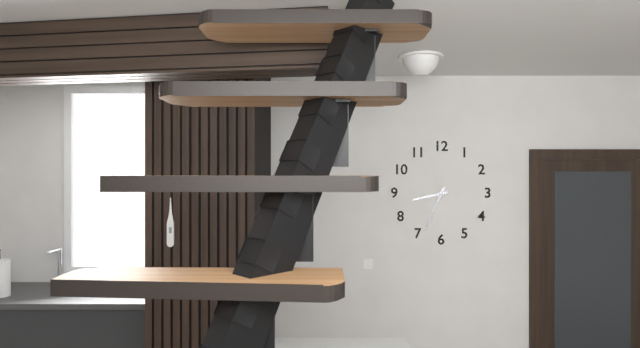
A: 8 h 34 min
